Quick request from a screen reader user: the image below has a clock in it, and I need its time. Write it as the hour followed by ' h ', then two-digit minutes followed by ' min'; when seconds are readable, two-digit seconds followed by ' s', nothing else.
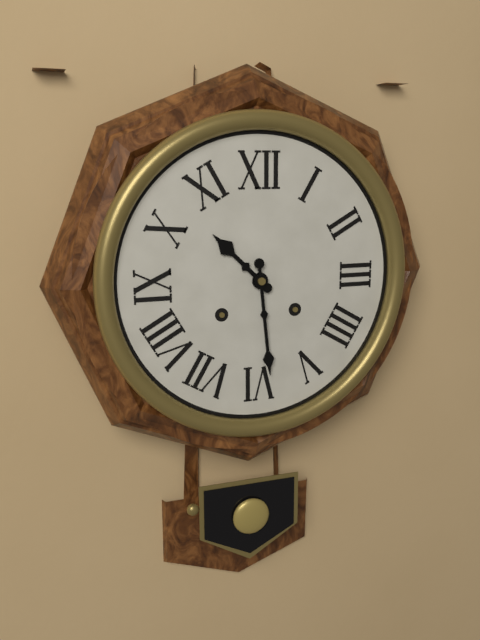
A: 10 h 29 min
